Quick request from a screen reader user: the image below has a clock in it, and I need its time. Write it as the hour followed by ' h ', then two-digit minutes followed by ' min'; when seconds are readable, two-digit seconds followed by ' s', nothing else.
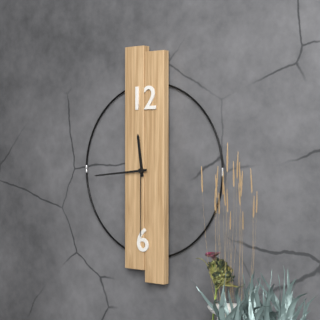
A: 11 h 44 min 30 s
